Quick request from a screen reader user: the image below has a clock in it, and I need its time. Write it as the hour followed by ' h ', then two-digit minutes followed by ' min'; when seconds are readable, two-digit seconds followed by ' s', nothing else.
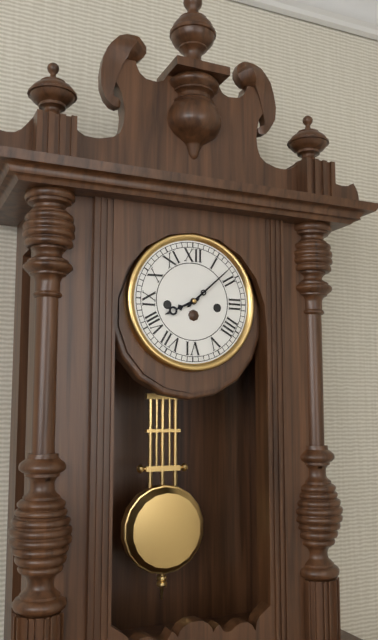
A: 8 h 08 min
